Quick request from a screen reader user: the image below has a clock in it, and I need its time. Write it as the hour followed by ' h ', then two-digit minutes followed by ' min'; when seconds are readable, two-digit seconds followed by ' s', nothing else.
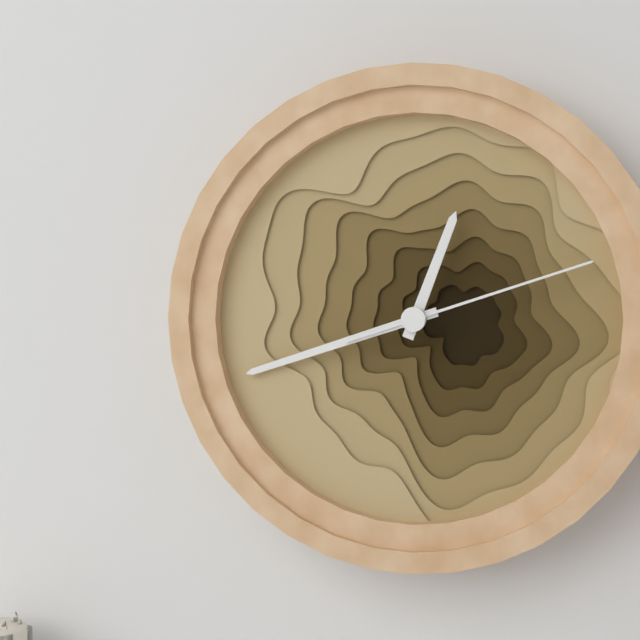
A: 12 h 42 min 12 s
